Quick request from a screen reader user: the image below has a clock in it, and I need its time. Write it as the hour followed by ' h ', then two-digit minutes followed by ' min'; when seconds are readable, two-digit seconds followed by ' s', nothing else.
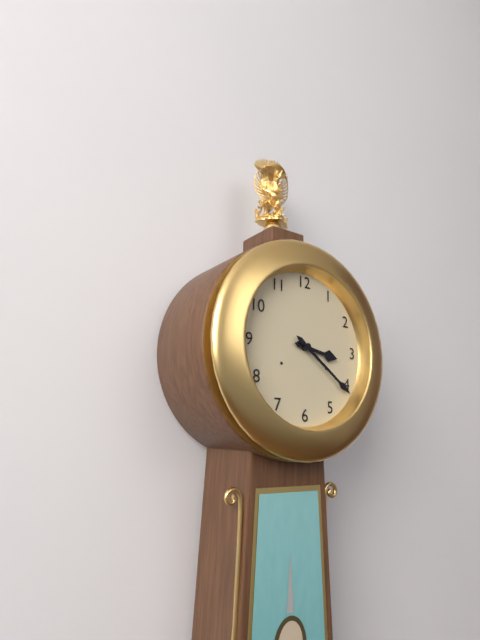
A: 3 h 21 min
